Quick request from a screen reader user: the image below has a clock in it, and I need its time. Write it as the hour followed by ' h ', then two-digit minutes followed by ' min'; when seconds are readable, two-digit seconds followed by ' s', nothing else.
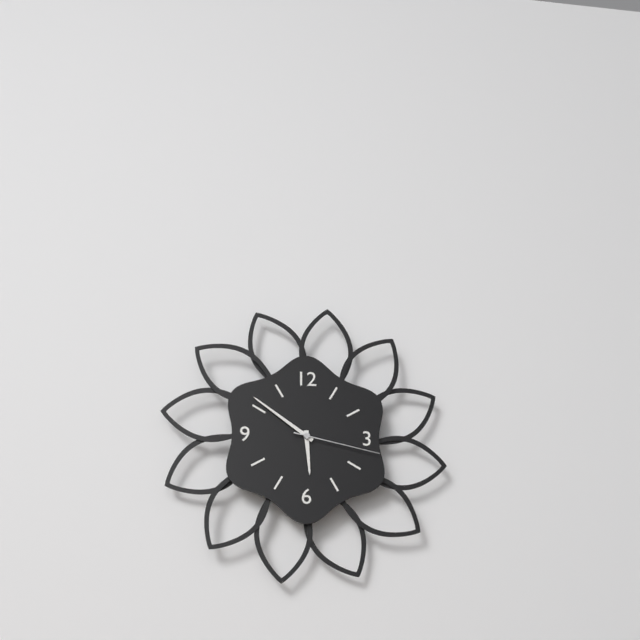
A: 5 h 51 min 17 s
